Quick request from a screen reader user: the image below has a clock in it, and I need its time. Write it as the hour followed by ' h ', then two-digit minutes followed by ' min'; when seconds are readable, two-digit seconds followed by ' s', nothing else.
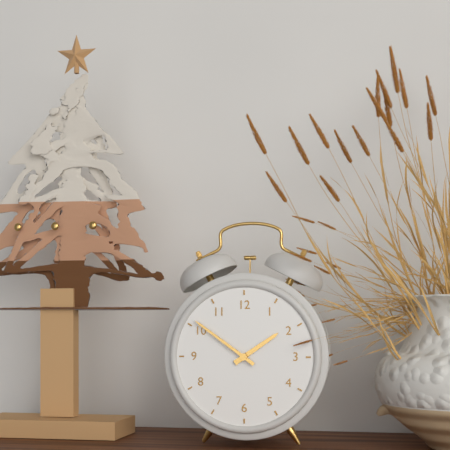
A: 1 h 51 min
